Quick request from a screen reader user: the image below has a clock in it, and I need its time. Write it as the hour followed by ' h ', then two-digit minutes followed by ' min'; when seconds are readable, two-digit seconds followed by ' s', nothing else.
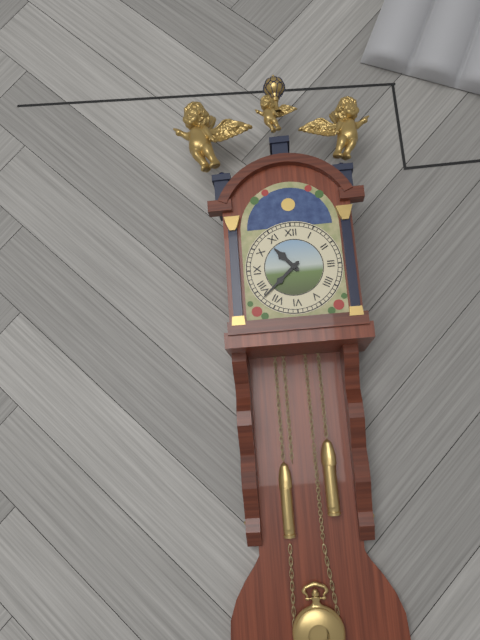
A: 10 h 38 min
